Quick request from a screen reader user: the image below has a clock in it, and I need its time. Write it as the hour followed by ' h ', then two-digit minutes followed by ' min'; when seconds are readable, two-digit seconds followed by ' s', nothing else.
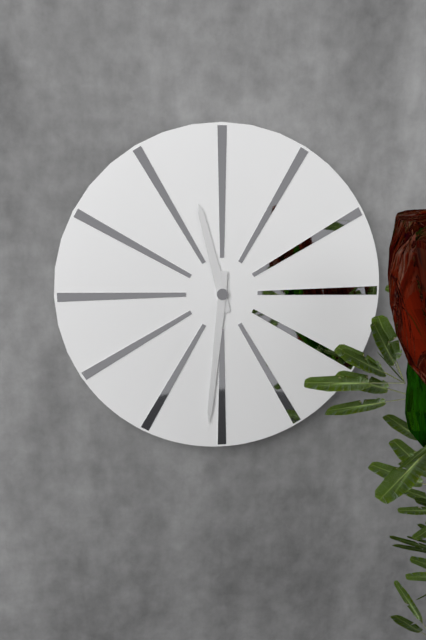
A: 11 h 31 min
